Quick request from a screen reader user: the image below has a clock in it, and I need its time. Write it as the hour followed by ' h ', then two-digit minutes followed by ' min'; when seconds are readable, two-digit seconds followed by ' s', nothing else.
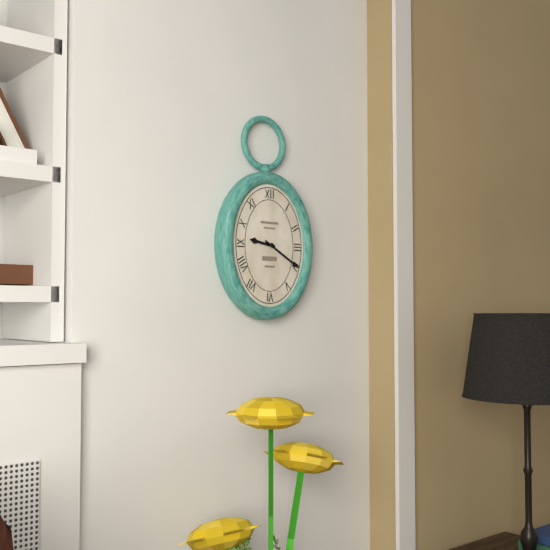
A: 9 h 20 min
